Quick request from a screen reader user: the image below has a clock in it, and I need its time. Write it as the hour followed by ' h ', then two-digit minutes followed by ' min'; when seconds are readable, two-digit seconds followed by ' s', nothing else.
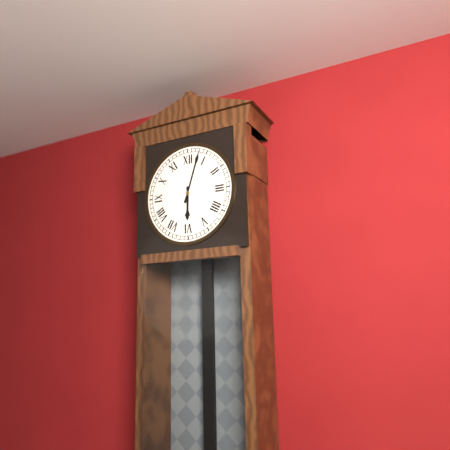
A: 6 h 03 min
